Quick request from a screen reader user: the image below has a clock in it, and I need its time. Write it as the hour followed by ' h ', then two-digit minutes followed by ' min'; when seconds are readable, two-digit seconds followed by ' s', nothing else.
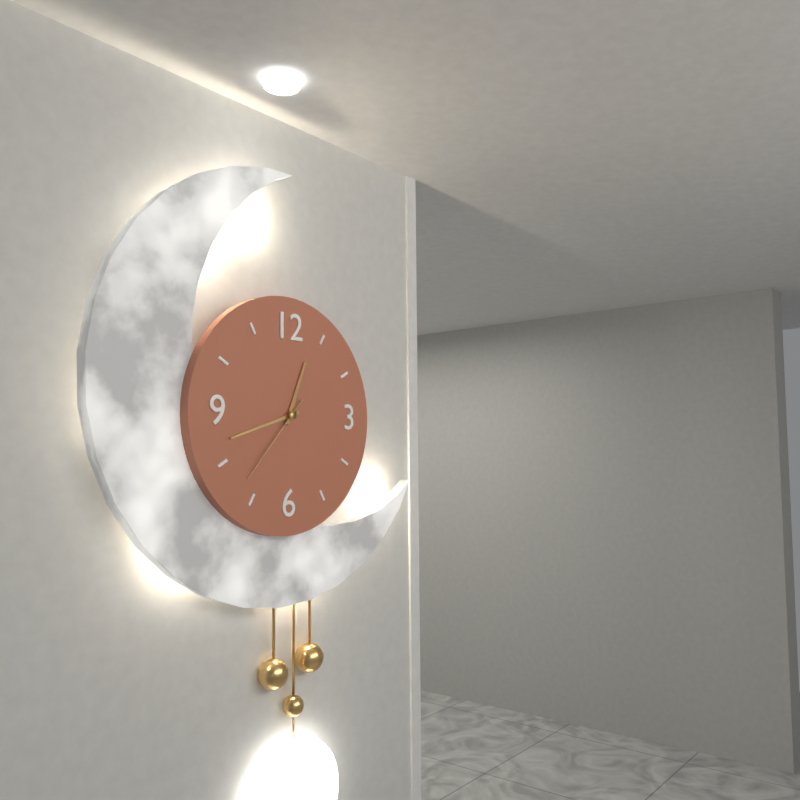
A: 12 h 42 min 37 s
